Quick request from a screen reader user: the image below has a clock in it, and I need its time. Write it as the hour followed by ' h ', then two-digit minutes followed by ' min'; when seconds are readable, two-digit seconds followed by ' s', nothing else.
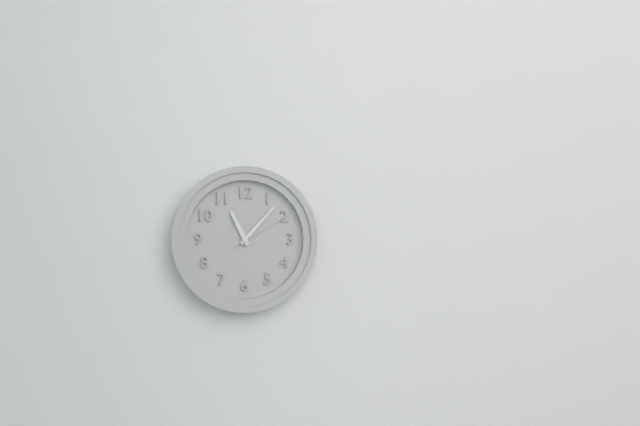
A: 11 h 07 min 10 s
